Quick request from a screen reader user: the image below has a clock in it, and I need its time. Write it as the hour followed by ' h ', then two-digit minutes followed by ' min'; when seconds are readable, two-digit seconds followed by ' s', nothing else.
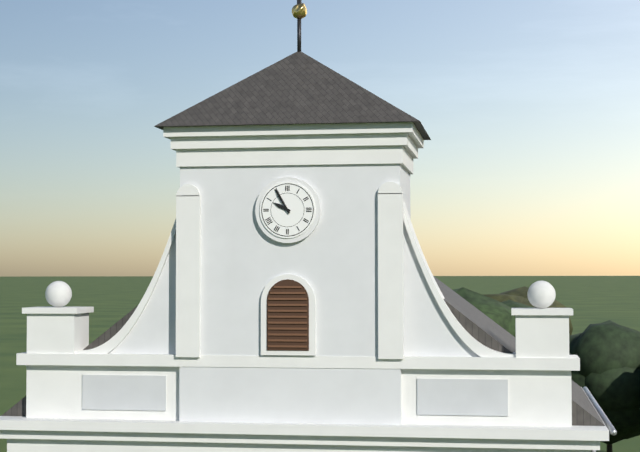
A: 9 h 55 min
